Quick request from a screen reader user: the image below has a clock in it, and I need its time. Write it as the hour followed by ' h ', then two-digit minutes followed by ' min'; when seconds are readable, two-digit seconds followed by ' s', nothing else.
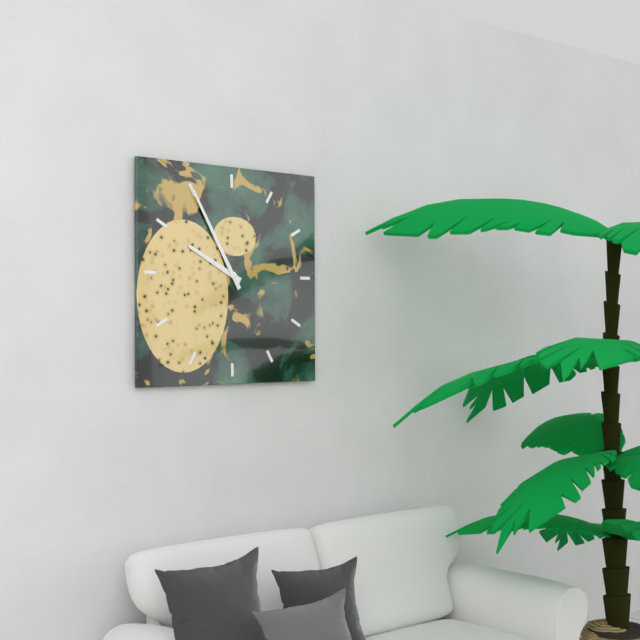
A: 9 h 55 min
